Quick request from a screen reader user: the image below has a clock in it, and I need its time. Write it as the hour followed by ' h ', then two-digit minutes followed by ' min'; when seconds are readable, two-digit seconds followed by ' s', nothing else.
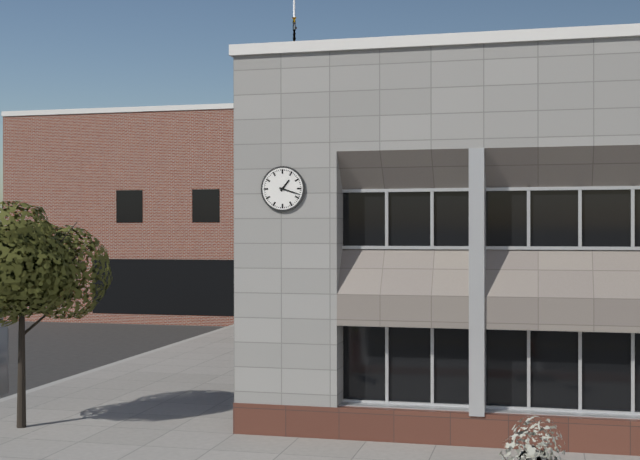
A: 1 h 18 min
